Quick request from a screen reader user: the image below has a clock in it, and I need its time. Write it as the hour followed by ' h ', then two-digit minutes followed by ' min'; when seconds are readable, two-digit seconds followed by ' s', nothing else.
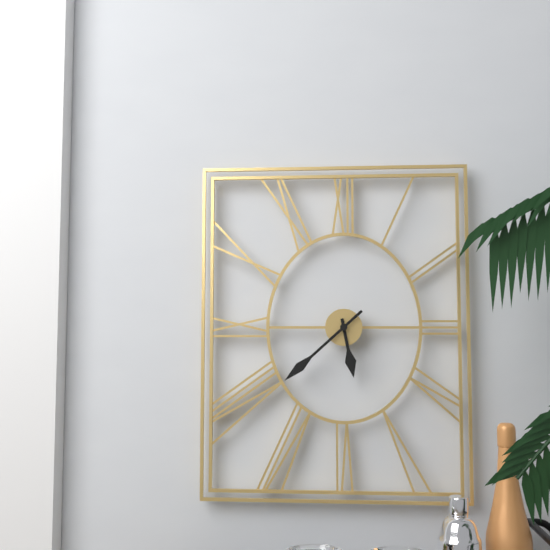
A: 5 h 38 min
